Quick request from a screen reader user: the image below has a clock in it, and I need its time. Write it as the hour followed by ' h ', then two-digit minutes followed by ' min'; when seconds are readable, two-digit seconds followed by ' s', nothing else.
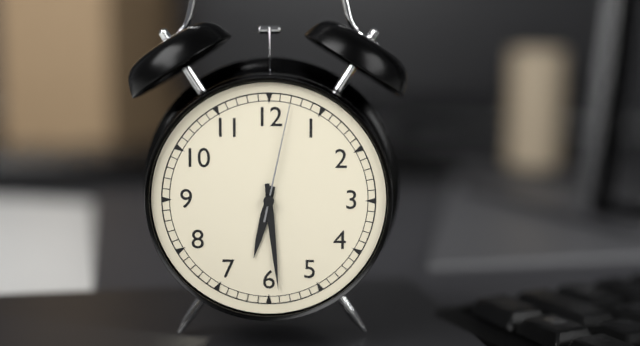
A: 6 h 29 min 02 s
